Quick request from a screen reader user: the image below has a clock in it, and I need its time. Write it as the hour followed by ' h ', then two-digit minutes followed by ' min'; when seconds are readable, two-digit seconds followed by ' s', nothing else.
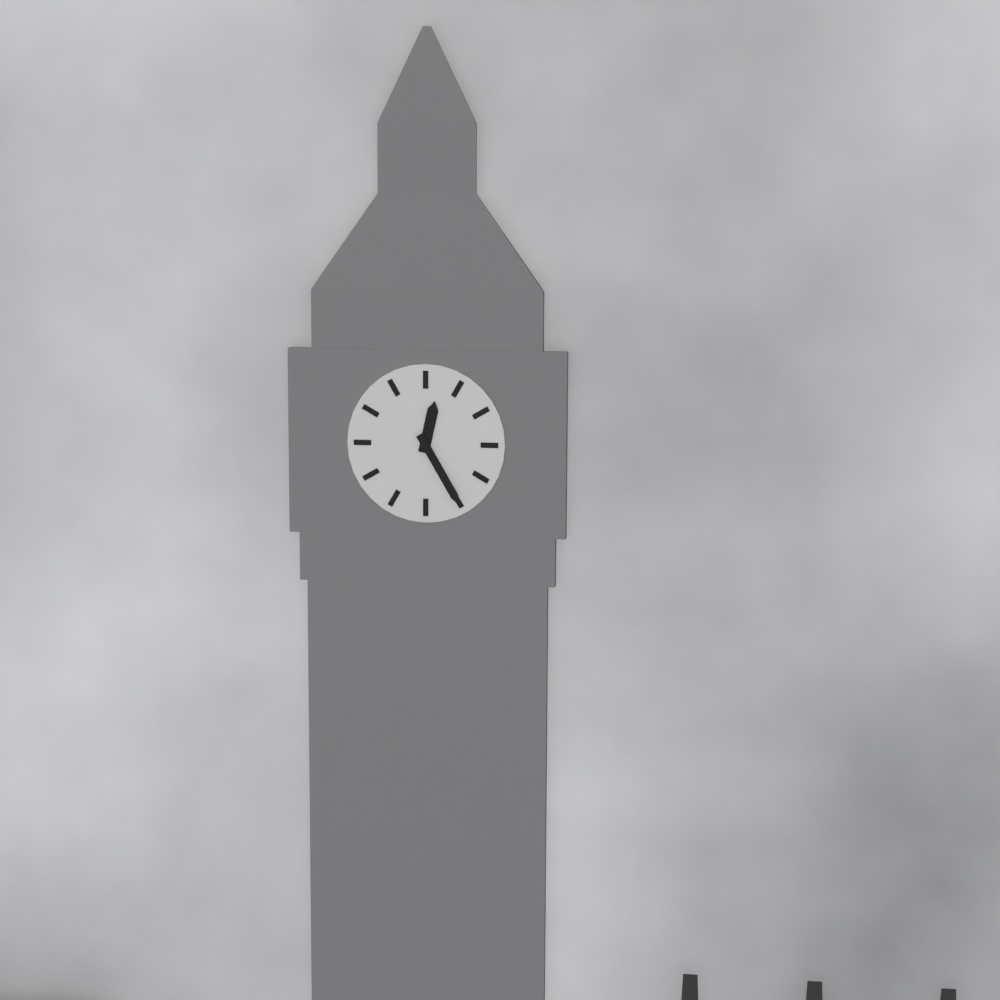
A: 12 h 25 min
